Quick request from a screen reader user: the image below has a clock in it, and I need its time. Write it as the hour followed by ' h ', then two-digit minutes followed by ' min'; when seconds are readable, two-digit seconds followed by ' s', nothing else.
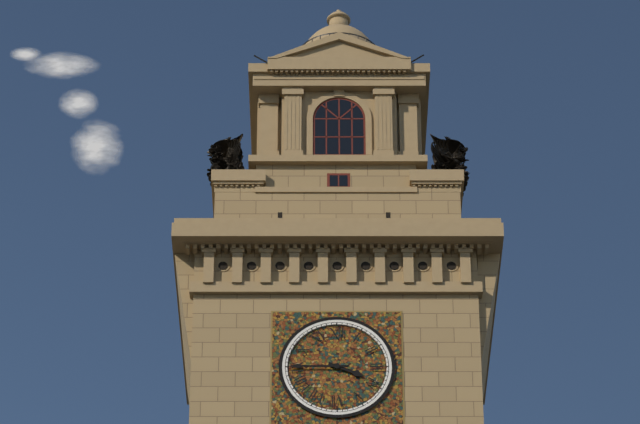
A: 3 h 45 min
